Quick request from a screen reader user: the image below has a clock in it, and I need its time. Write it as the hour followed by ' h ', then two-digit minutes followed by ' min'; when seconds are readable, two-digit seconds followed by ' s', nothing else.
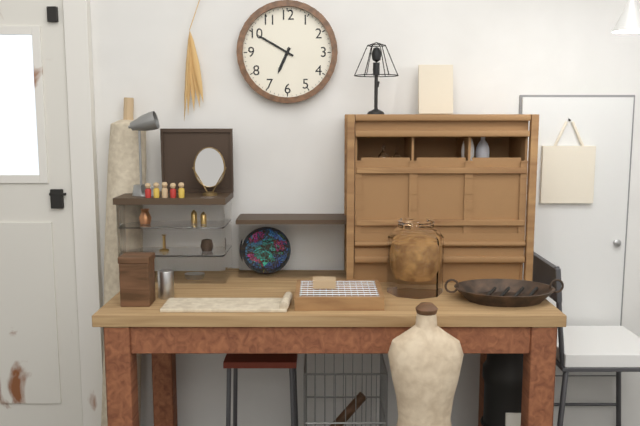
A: 6 h 50 min
